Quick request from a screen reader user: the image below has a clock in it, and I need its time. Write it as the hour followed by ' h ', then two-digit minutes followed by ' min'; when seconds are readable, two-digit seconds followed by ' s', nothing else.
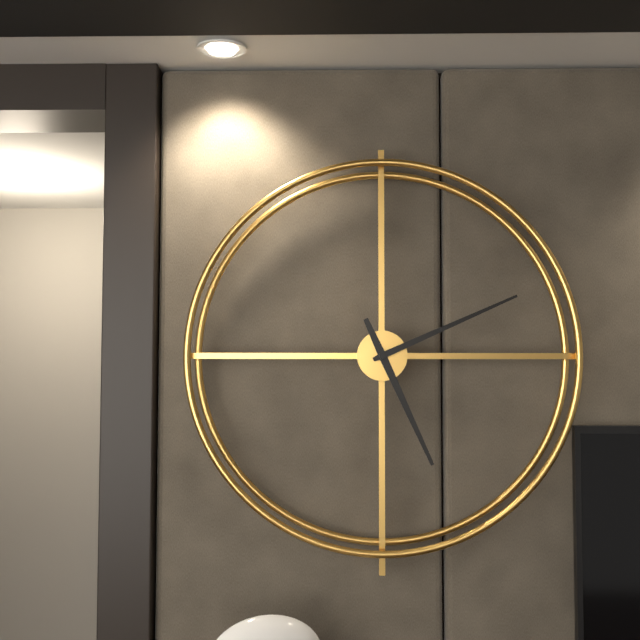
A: 5 h 11 min
